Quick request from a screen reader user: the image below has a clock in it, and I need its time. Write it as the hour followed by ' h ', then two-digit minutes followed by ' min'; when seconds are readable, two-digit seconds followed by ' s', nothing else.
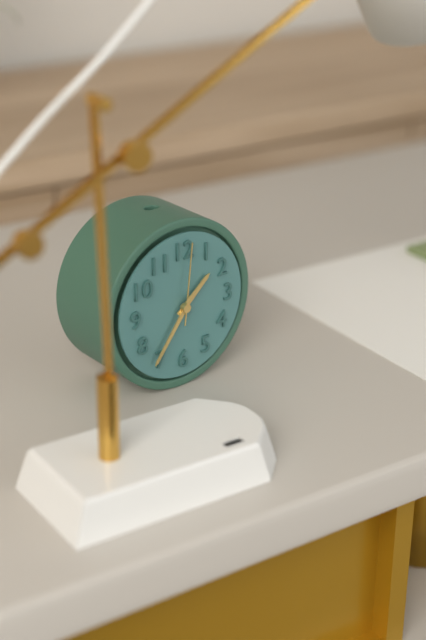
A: 1 h 36 min 01 s
